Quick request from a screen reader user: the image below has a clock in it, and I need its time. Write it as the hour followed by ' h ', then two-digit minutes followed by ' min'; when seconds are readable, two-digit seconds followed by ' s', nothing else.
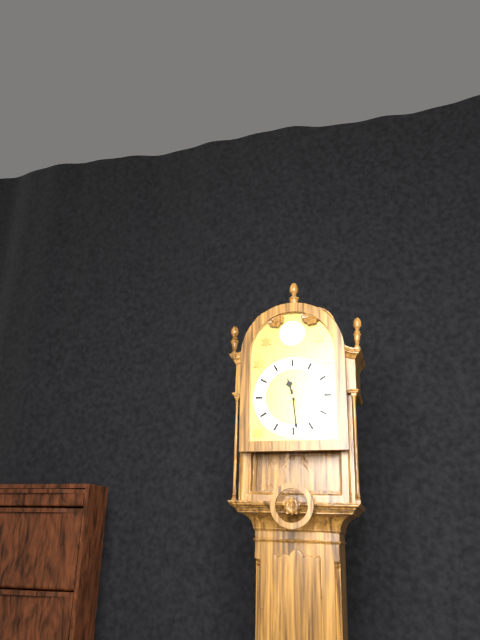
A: 11 h 29 min
